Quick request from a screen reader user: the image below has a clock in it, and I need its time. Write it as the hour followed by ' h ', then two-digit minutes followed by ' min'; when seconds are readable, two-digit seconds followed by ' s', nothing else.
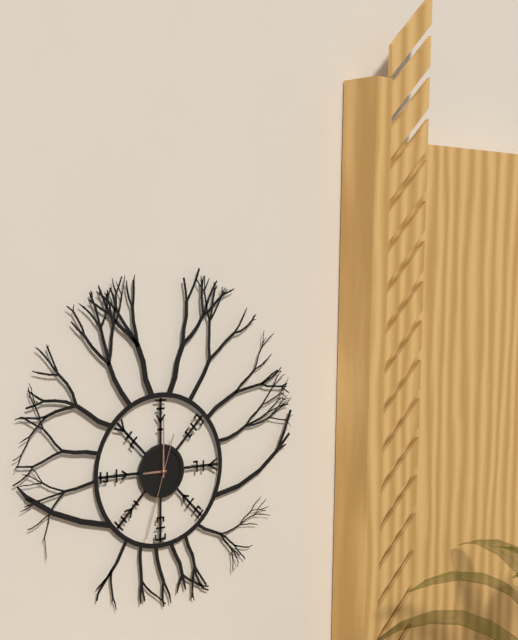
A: 9 h 00 min 33 s
